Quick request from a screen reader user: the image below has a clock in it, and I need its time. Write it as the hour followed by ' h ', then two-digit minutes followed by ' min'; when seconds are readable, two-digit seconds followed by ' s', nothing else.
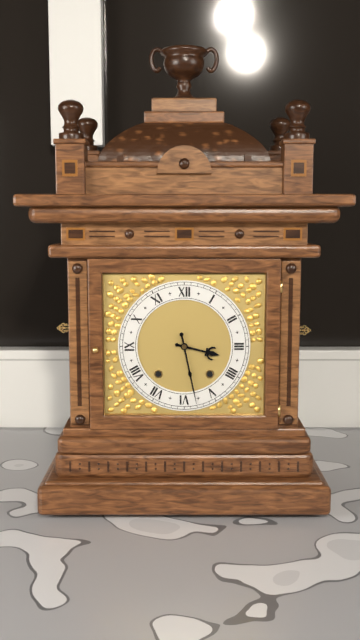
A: 3 h 28 min
